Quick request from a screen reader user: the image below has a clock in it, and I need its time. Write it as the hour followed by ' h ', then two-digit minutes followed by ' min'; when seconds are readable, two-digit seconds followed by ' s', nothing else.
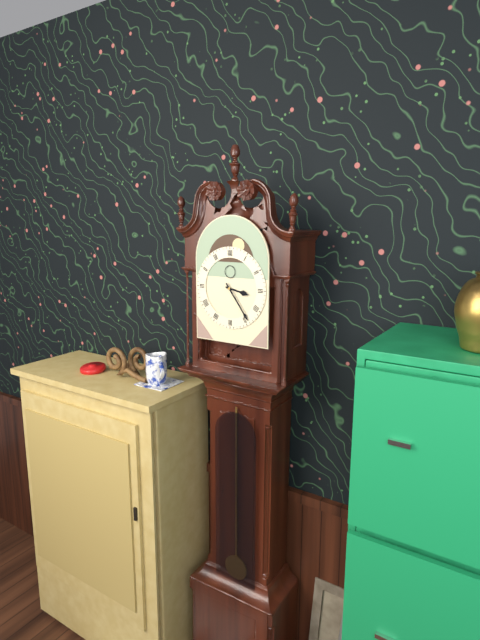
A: 3 h 24 min
